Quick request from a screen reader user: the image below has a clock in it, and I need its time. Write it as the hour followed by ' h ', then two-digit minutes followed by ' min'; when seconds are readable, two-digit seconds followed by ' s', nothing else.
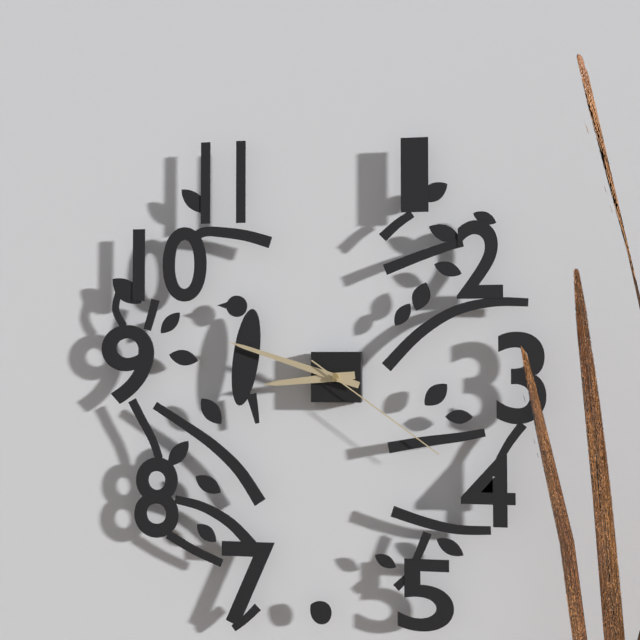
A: 8 h 48 min 21 s
